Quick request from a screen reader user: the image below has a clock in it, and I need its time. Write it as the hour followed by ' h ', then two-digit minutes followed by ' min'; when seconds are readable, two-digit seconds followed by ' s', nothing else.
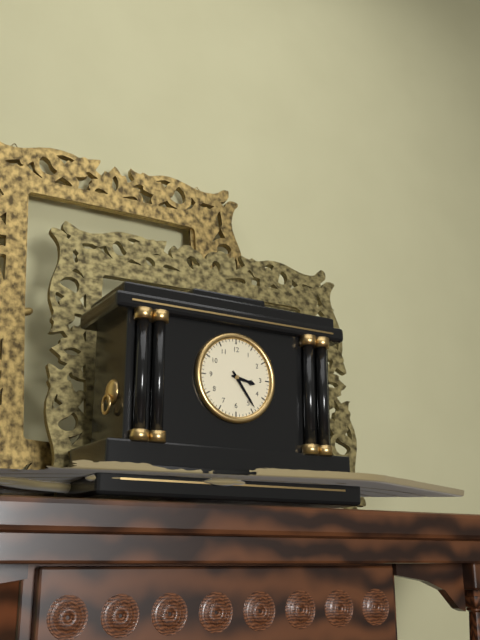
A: 3 h 24 min
